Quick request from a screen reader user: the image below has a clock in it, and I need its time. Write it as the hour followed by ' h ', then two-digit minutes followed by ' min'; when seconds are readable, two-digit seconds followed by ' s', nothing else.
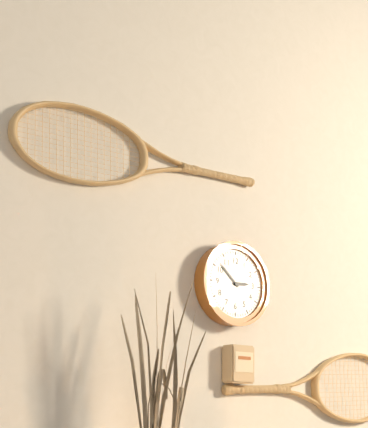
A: 2 h 52 min
